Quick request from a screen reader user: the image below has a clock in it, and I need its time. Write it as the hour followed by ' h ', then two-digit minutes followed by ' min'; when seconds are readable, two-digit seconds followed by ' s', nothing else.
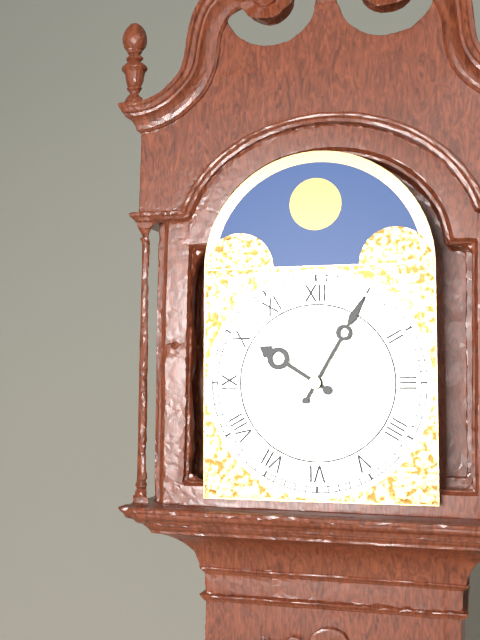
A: 10 h 05 min
